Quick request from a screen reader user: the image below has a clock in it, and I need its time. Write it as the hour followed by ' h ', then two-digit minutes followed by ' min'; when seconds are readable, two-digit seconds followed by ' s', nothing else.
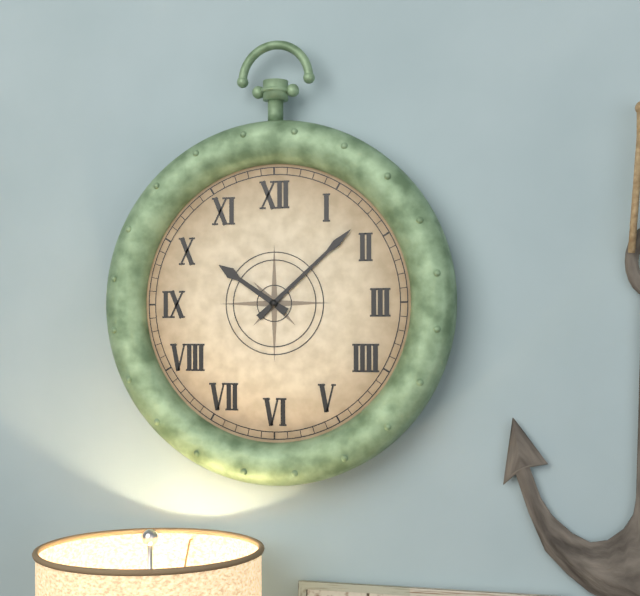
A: 10 h 08 min
